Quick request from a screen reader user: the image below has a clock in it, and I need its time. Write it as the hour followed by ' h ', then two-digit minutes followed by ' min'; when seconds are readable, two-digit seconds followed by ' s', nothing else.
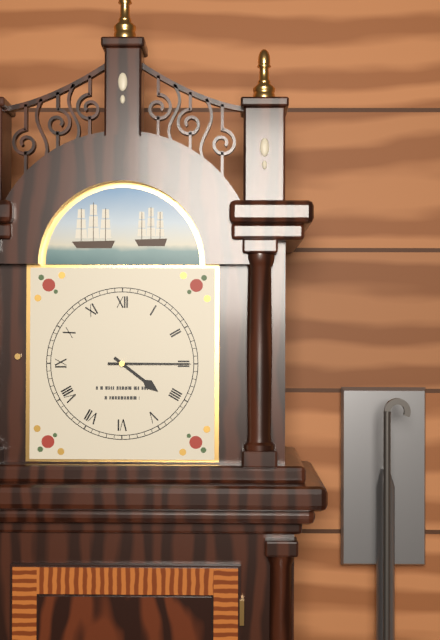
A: 4 h 15 min
